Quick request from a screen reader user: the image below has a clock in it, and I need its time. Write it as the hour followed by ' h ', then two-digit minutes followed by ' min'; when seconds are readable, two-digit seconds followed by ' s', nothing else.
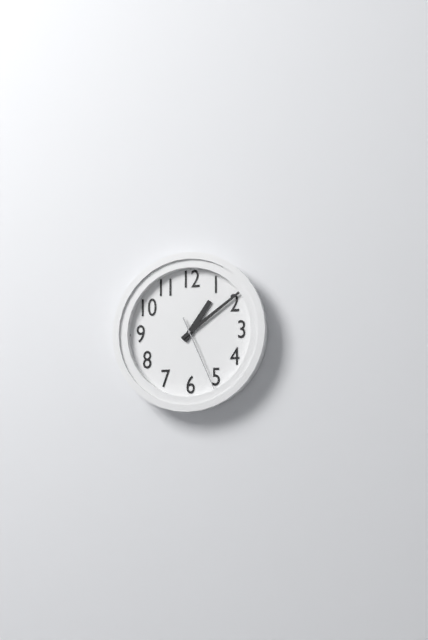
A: 1 h 09 min 26 s
